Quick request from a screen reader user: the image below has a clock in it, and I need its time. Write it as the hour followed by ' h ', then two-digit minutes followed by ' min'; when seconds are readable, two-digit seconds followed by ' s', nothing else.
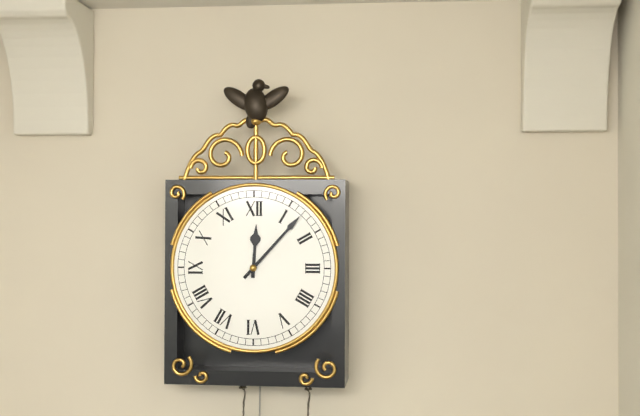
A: 12 h 07 min
